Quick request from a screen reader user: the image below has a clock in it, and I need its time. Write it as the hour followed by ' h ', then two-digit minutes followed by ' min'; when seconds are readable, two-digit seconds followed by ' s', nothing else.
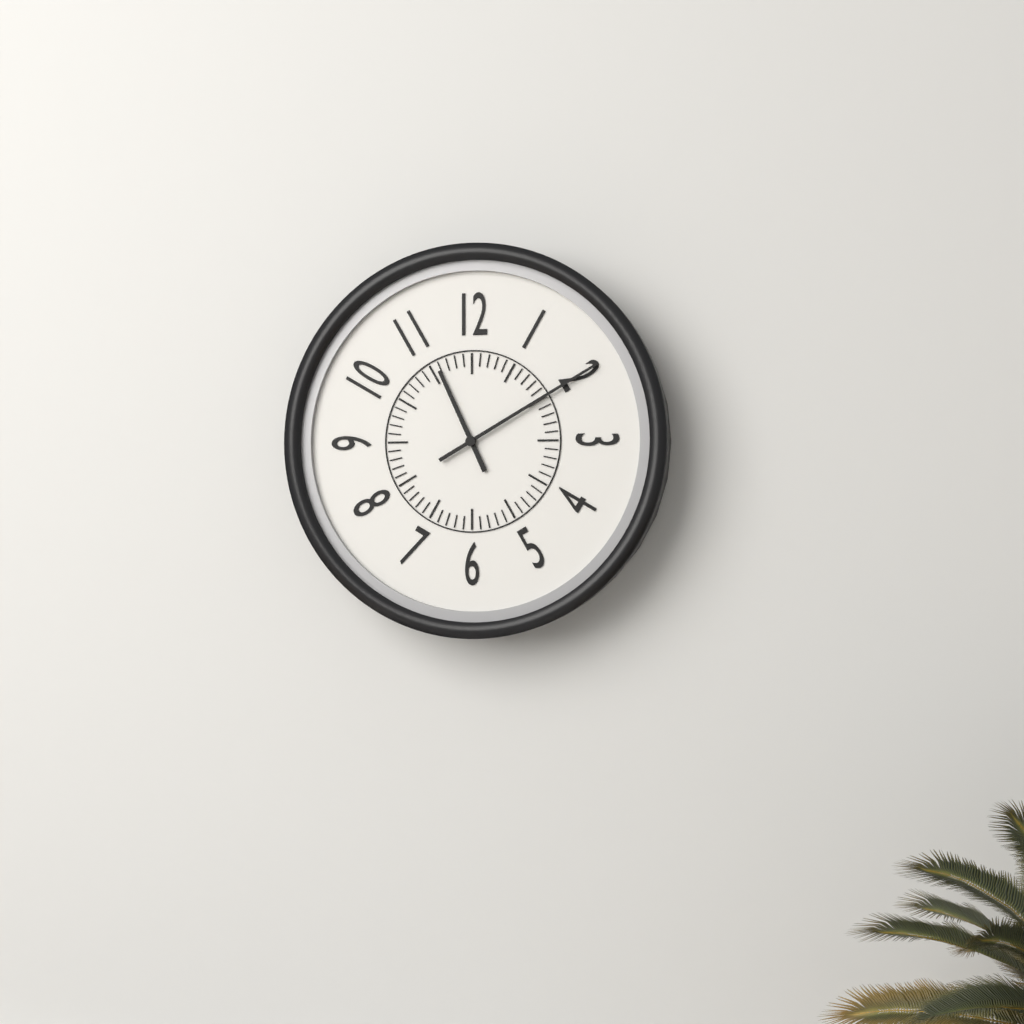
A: 11 h 10 min
